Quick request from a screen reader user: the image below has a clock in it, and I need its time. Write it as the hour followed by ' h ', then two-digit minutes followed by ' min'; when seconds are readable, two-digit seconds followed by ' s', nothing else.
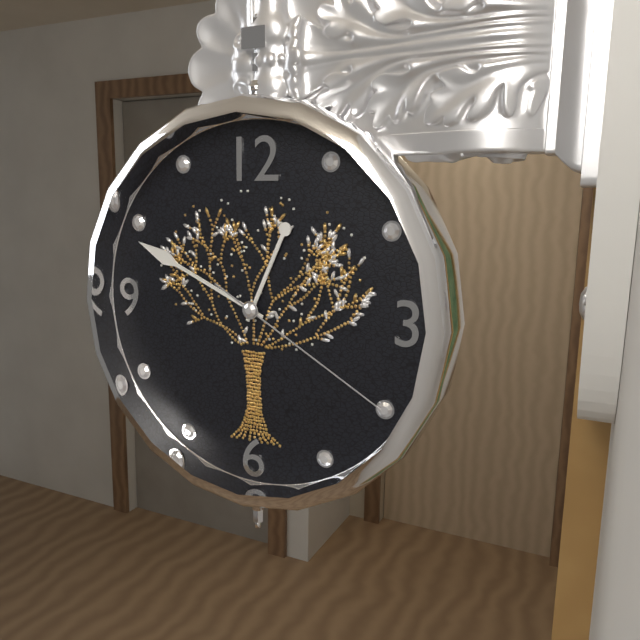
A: 12 h 49 min 20 s
